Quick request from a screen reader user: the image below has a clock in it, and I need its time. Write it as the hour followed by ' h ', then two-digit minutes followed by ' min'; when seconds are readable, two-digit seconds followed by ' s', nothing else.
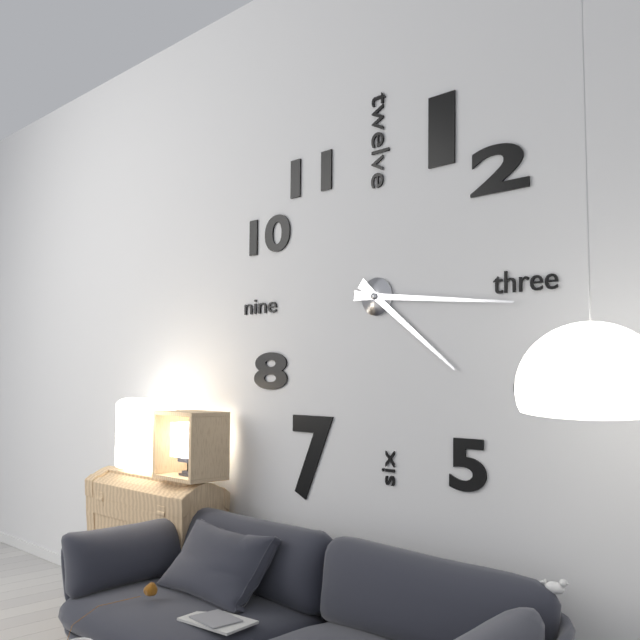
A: 4 h 16 min
